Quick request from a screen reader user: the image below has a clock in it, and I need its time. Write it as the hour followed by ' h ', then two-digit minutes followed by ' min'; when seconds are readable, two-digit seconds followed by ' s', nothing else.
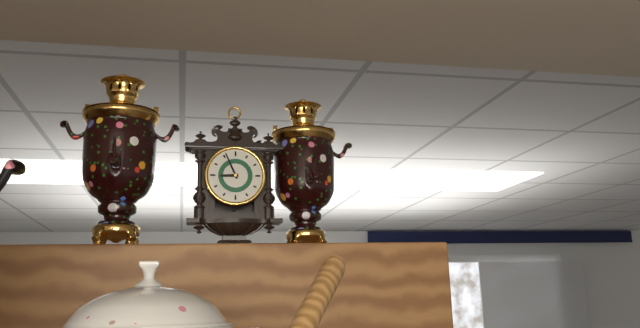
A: 8 h 56 min
